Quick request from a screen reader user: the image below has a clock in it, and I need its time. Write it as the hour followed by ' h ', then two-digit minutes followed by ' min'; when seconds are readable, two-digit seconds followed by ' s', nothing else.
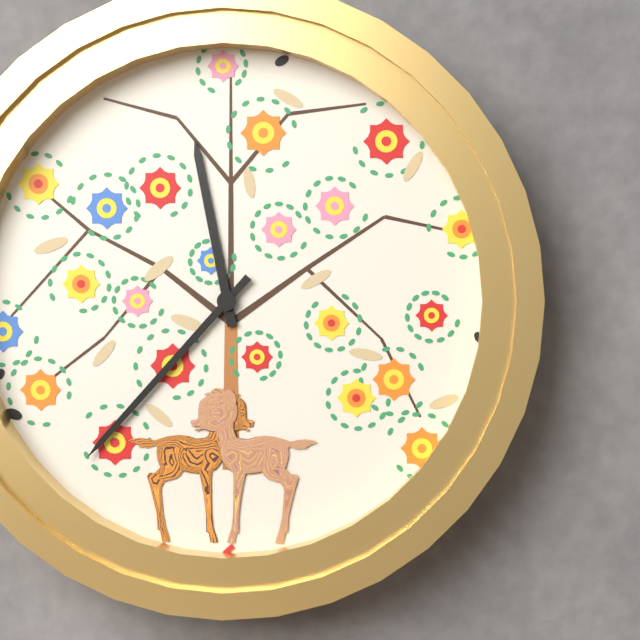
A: 11 h 37 min
